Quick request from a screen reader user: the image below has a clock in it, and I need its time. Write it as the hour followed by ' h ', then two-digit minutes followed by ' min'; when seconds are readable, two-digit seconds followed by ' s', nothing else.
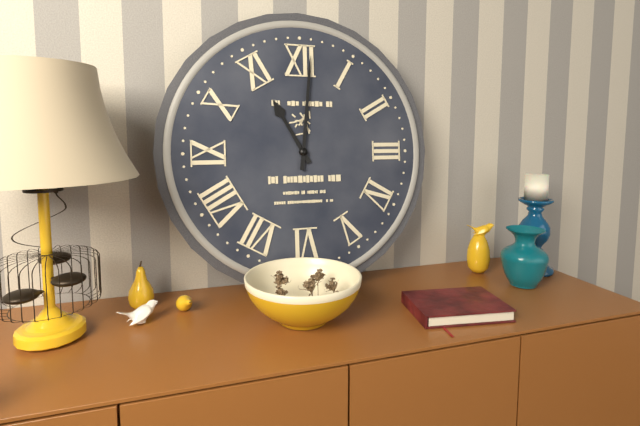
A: 11 h 01 min
